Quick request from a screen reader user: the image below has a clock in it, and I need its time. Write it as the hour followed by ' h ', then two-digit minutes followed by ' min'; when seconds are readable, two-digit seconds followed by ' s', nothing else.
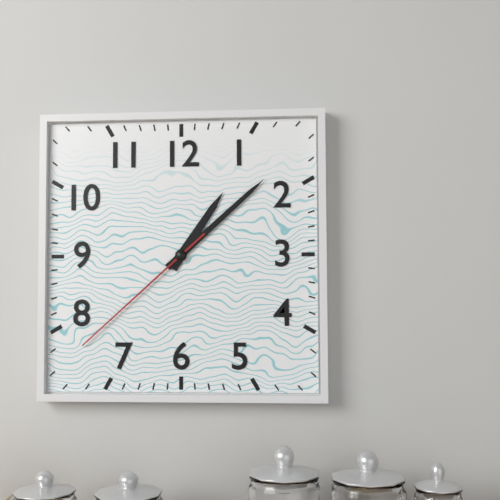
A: 1 h 08 min 38 s
